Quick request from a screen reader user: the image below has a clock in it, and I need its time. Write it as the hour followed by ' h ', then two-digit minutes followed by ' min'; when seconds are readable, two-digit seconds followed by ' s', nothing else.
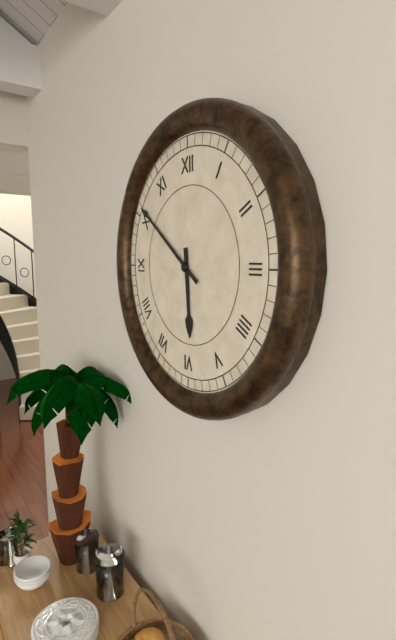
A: 5 h 51 min
